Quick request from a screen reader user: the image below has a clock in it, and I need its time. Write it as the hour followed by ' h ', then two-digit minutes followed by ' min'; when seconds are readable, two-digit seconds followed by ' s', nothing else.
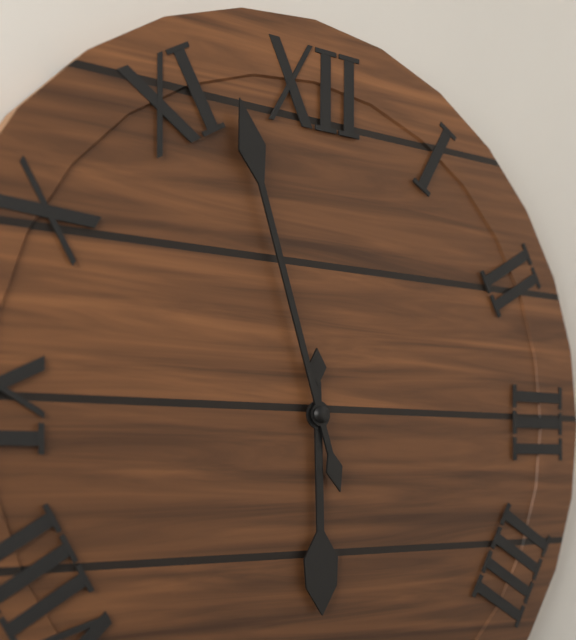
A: 5 h 57 min
